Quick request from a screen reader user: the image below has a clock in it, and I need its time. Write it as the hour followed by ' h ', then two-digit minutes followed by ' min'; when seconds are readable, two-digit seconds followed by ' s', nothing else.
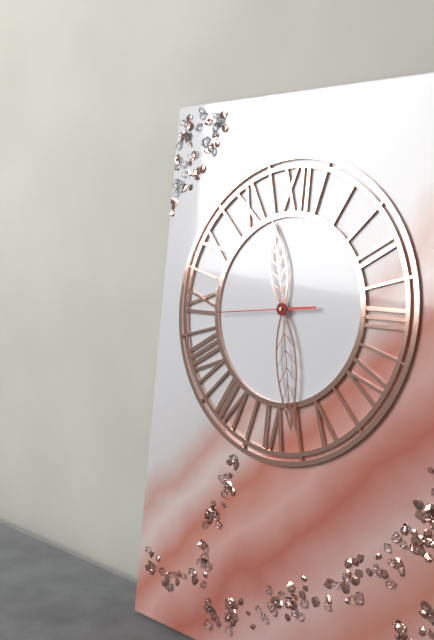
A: 11 h 28 min 44 s
